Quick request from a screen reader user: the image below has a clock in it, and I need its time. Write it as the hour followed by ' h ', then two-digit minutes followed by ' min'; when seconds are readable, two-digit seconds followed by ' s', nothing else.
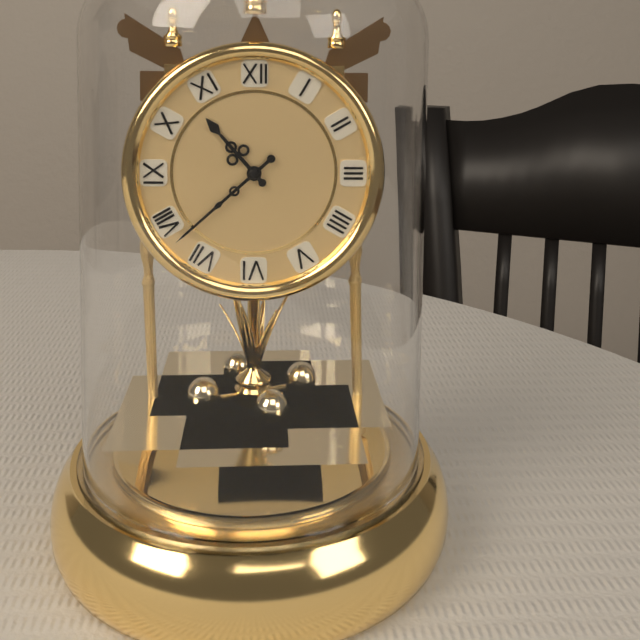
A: 10 h 38 min
